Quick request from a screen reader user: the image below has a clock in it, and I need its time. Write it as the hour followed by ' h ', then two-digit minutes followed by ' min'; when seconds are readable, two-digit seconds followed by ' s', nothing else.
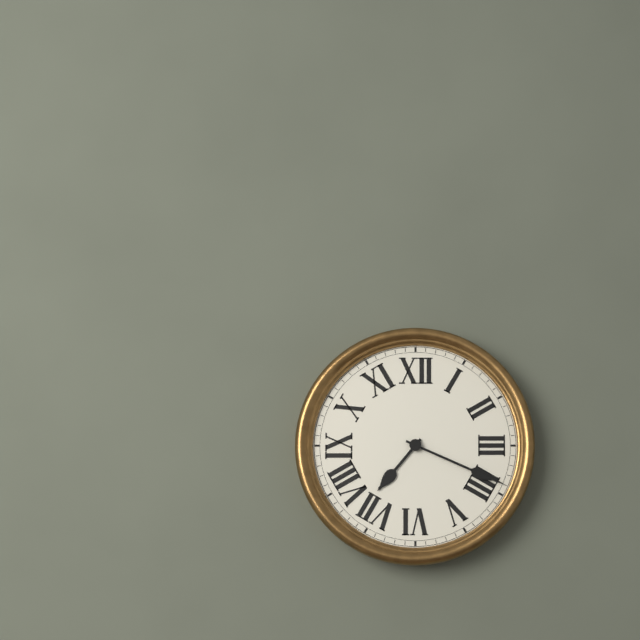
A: 7 h 19 min
